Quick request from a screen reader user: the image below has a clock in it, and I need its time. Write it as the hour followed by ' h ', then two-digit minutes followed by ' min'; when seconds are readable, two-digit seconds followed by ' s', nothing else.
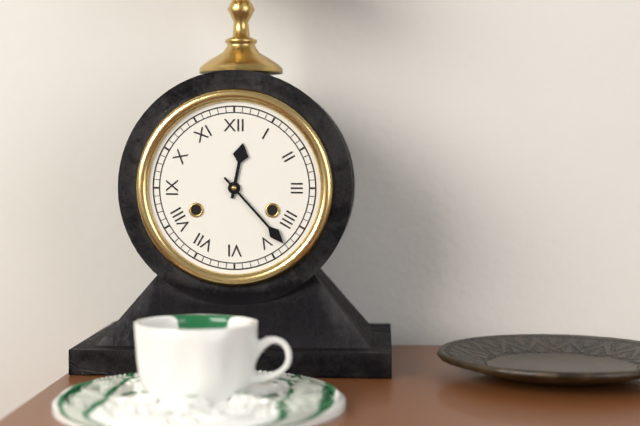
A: 12 h 23 min
